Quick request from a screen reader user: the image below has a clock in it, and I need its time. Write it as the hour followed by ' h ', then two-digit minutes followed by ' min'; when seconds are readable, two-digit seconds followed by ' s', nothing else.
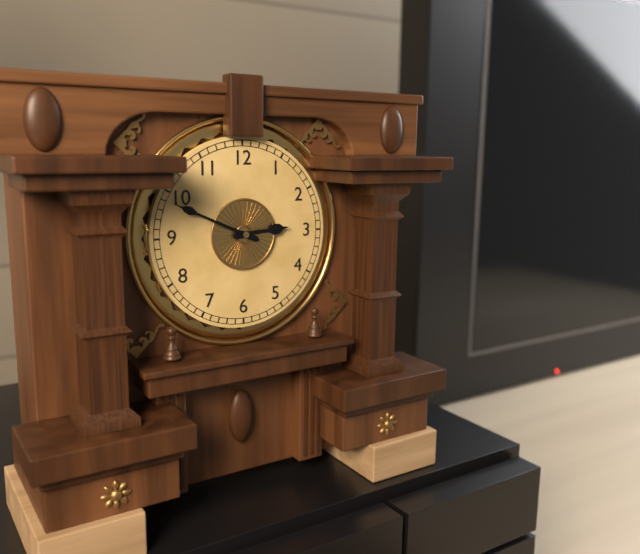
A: 2 h 49 min
